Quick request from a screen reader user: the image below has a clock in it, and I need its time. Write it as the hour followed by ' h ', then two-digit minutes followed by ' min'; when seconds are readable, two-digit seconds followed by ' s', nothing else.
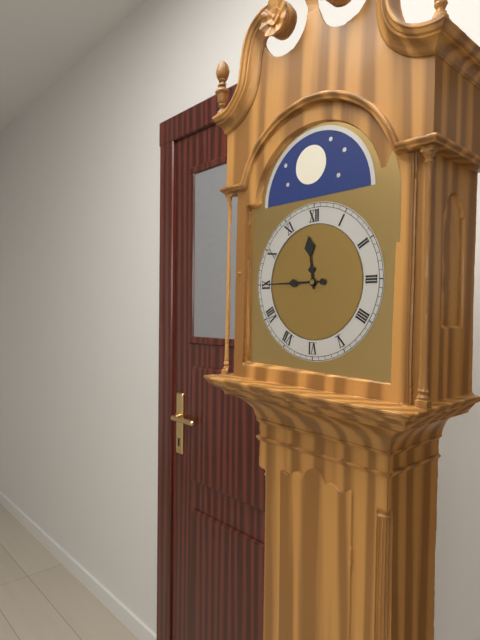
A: 11 h 45 min
